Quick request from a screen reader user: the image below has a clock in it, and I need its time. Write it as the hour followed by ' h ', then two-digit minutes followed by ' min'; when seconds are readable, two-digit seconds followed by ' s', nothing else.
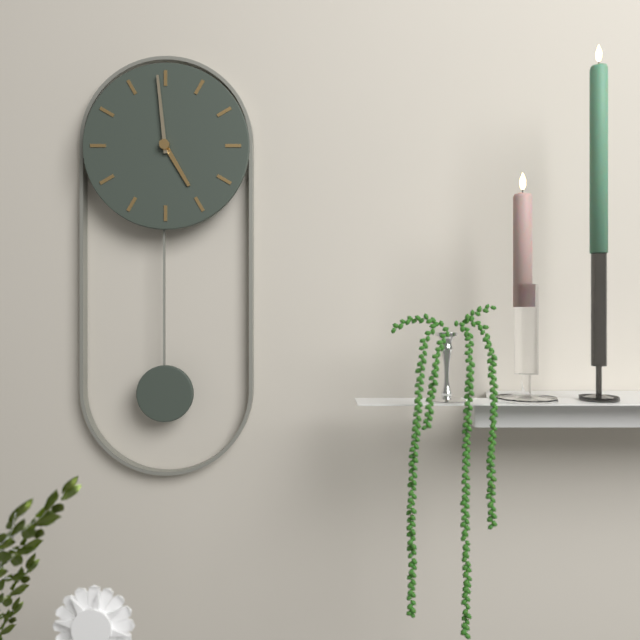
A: 4 h 59 min
